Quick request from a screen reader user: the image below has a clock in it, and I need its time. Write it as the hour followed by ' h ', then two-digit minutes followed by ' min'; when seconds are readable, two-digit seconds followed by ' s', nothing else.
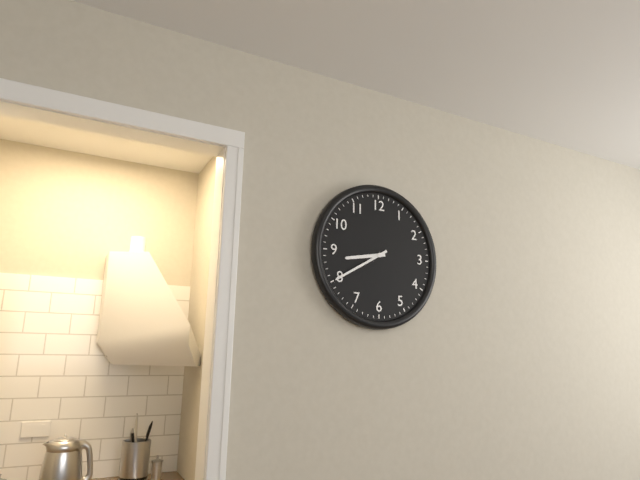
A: 8 h 40 min
